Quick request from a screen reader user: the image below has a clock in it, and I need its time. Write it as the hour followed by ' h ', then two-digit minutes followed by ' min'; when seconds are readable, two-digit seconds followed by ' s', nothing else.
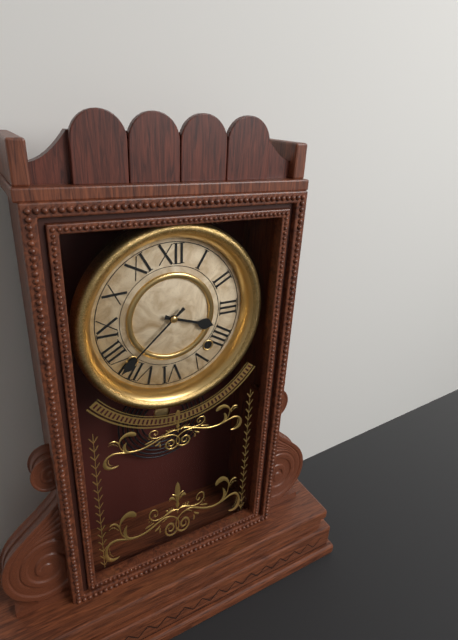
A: 3 h 38 min
